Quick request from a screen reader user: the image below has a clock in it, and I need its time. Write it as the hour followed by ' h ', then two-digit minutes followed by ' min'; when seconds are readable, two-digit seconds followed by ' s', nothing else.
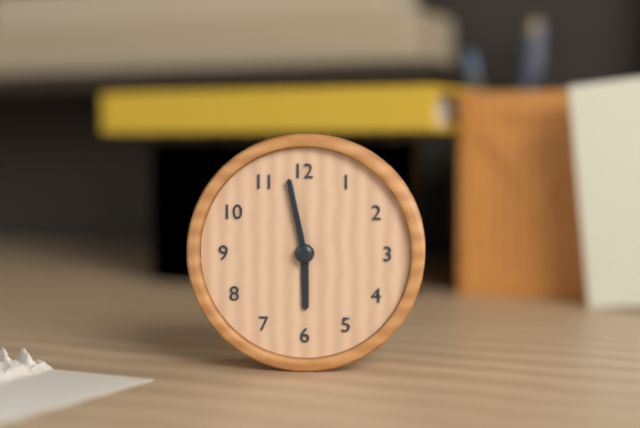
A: 5 h 58 min
